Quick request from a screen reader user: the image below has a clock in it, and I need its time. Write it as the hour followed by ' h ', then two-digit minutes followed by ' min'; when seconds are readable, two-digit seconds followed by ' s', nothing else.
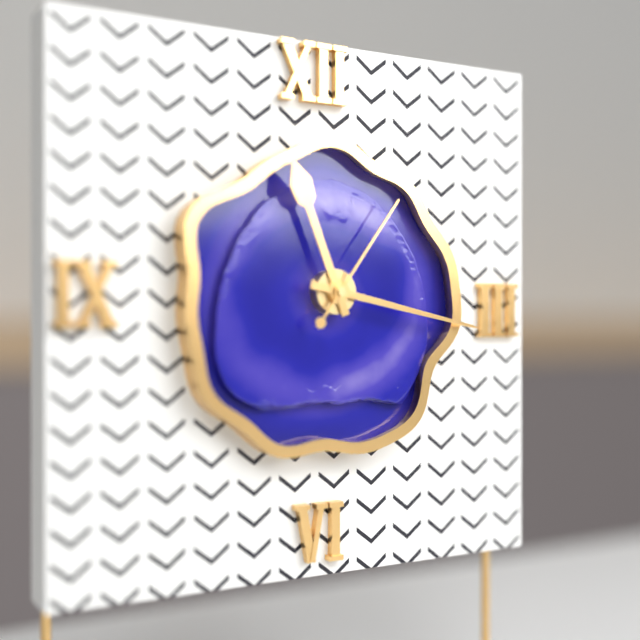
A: 11 h 17 min 06 s
